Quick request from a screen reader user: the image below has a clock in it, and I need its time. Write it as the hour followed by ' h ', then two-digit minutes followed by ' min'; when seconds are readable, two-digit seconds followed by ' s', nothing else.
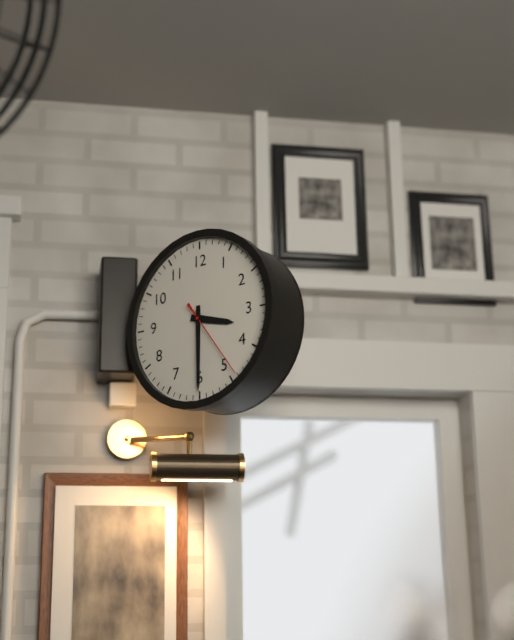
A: 3 h 30 min 24 s
